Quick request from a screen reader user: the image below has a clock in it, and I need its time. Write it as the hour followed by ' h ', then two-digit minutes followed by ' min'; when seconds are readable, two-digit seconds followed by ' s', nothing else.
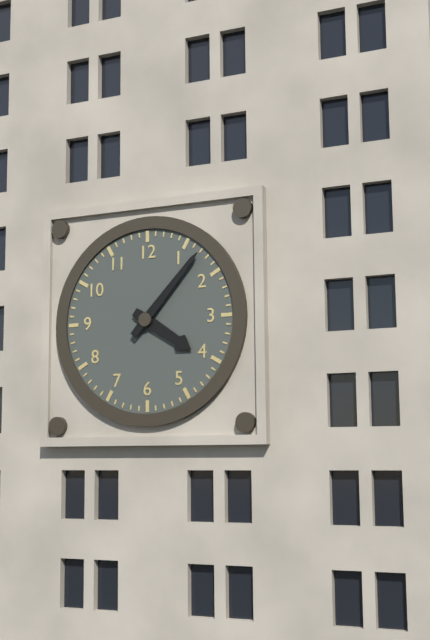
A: 4 h 07 min
